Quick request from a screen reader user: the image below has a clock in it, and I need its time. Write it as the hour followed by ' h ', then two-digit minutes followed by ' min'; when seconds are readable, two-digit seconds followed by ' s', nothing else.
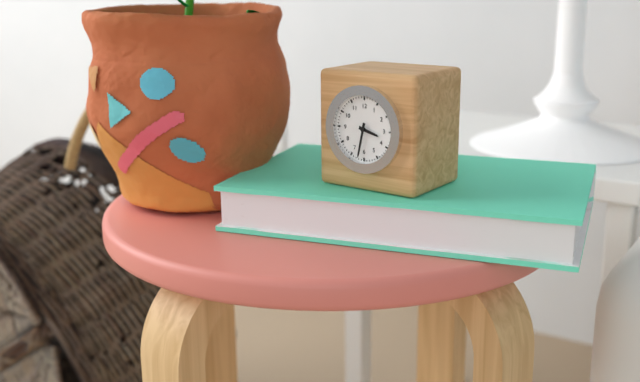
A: 3 h 32 min
